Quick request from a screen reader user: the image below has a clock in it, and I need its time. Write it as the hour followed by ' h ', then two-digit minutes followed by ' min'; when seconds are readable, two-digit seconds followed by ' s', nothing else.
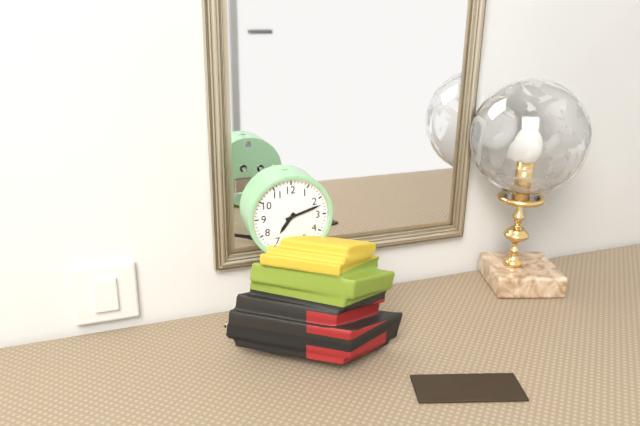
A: 7 h 12 min
